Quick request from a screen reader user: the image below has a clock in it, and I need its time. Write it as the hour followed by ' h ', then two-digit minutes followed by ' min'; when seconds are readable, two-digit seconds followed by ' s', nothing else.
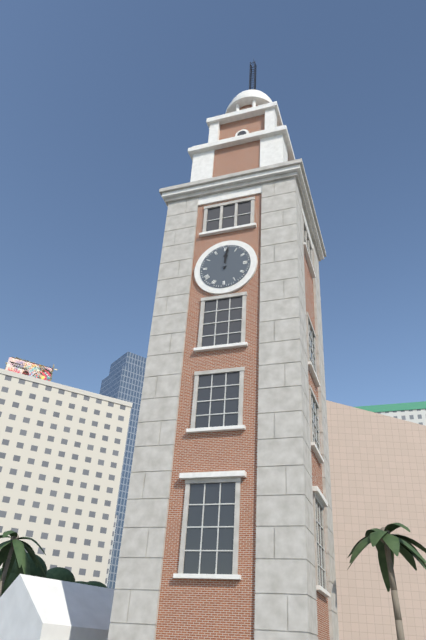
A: 12 h 01 min
